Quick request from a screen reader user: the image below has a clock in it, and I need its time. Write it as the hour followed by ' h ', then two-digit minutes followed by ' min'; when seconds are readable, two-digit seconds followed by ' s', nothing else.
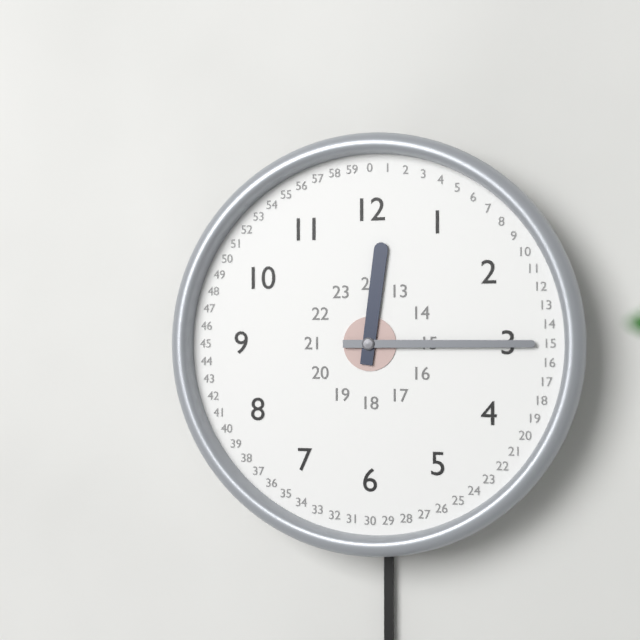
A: 12 h 15 min
